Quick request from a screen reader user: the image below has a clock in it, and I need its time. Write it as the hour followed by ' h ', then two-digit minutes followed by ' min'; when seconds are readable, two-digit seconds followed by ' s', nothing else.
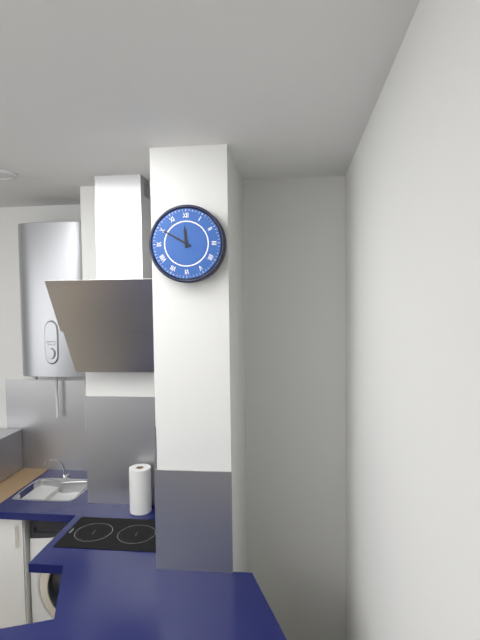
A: 11 h 50 min
